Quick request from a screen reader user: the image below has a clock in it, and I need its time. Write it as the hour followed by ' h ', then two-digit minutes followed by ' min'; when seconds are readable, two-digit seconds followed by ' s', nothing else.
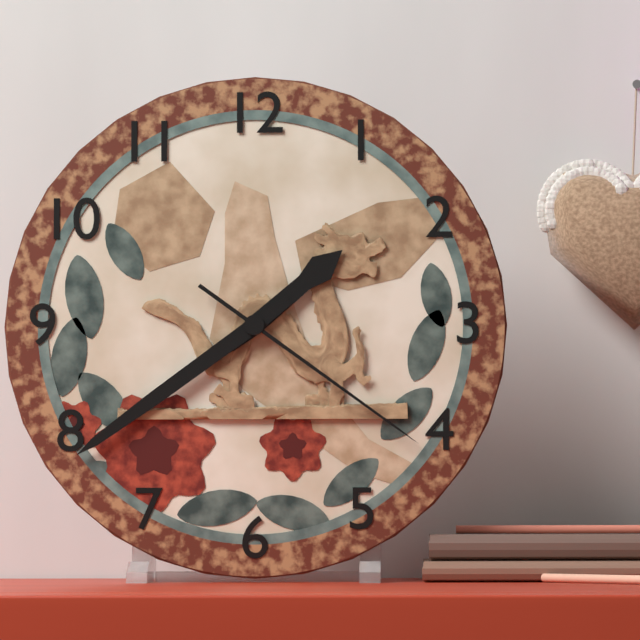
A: 1 h 39 min 21 s
